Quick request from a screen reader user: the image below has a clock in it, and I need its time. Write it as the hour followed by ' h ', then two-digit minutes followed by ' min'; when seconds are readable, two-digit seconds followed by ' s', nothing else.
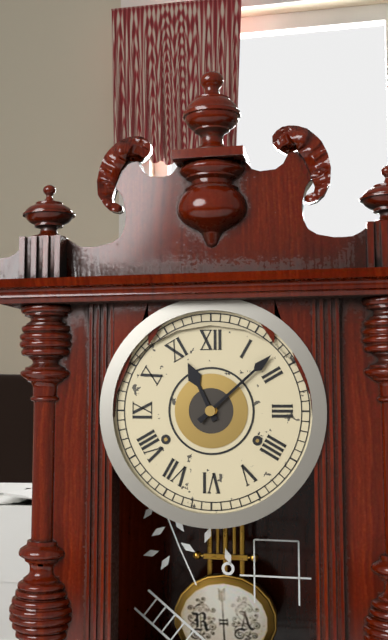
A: 11 h 08 min
